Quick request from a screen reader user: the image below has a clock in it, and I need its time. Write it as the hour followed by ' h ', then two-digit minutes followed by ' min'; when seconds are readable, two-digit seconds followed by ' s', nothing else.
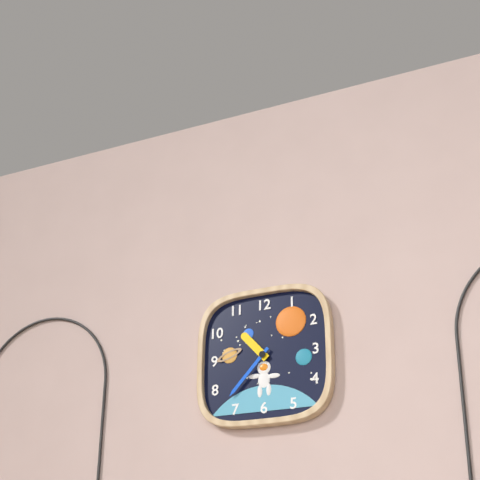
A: 10 h 37 min
